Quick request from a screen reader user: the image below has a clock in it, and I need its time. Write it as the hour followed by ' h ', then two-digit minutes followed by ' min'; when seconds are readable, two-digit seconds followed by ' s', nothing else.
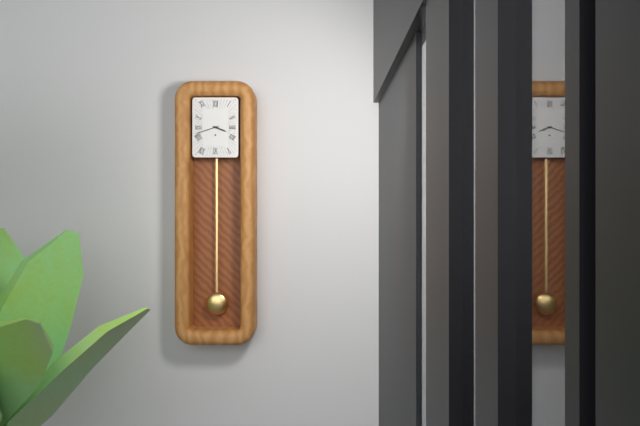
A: 3 h 42 min
